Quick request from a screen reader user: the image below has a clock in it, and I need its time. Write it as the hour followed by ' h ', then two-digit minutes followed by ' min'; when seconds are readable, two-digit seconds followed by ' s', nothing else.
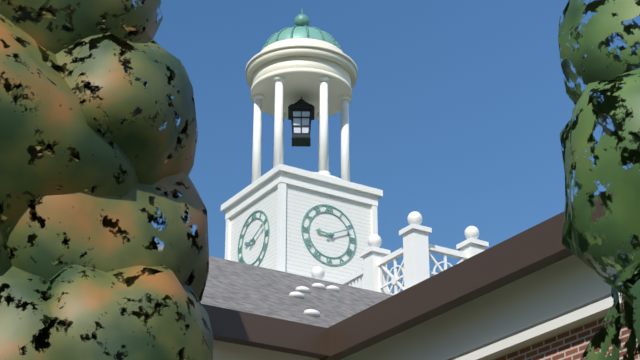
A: 9 h 11 min
